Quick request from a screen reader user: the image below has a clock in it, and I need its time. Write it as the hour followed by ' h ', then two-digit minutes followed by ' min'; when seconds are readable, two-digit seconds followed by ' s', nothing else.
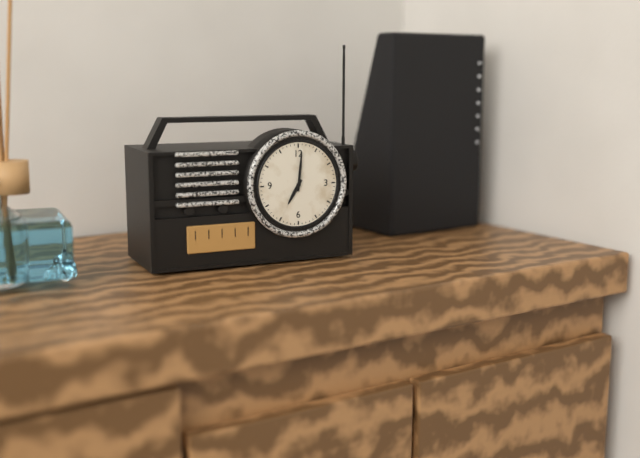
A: 7 h 01 min
